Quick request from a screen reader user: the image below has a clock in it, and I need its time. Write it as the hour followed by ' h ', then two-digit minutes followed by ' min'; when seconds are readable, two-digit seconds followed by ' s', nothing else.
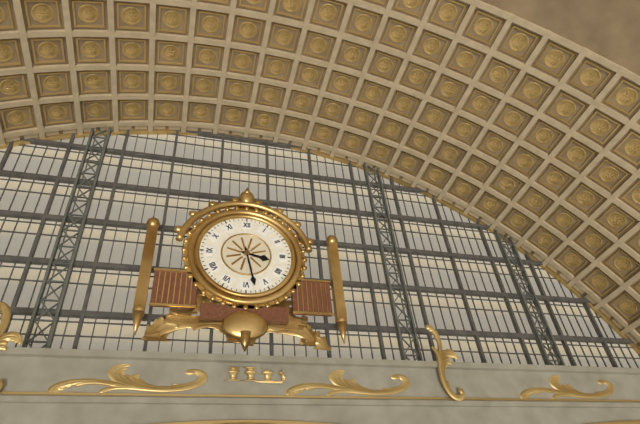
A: 3 h 28 min
